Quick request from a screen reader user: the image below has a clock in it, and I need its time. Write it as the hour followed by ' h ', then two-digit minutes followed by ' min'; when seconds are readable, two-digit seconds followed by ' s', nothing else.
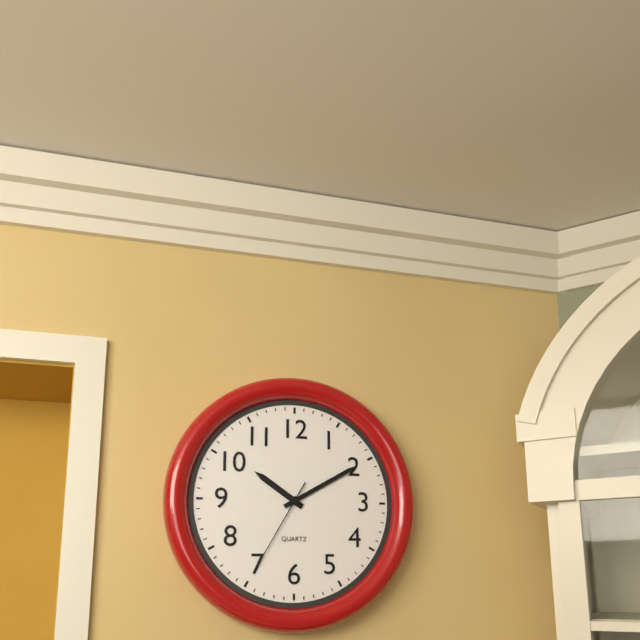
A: 10 h 10 min 35 s
